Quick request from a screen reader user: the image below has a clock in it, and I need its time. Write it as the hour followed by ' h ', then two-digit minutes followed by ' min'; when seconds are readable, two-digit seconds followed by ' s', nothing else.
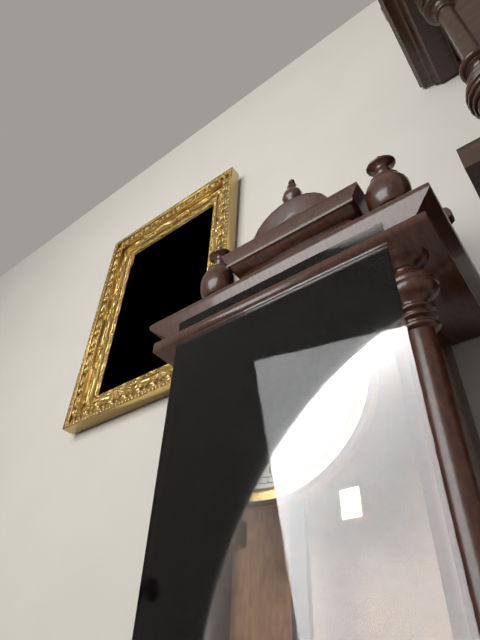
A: 4 h 55 min
